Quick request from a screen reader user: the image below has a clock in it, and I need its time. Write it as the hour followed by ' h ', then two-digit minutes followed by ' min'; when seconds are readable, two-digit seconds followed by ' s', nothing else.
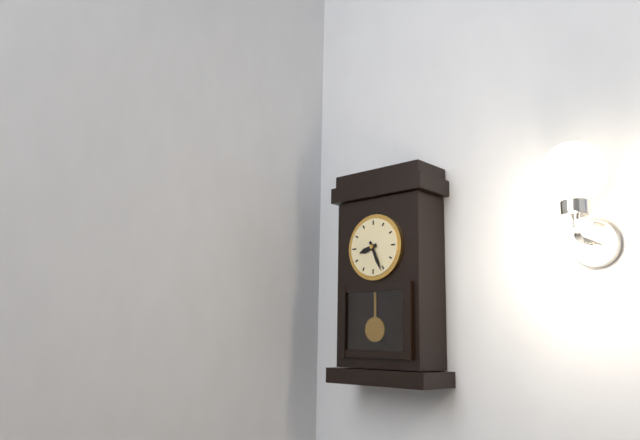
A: 8 h 26 min
